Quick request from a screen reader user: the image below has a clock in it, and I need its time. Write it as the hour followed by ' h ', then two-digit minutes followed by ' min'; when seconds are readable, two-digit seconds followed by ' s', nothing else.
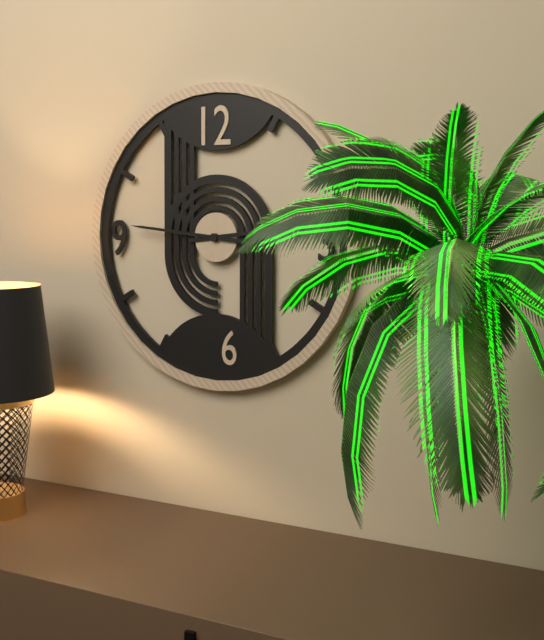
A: 2 h 46 min
